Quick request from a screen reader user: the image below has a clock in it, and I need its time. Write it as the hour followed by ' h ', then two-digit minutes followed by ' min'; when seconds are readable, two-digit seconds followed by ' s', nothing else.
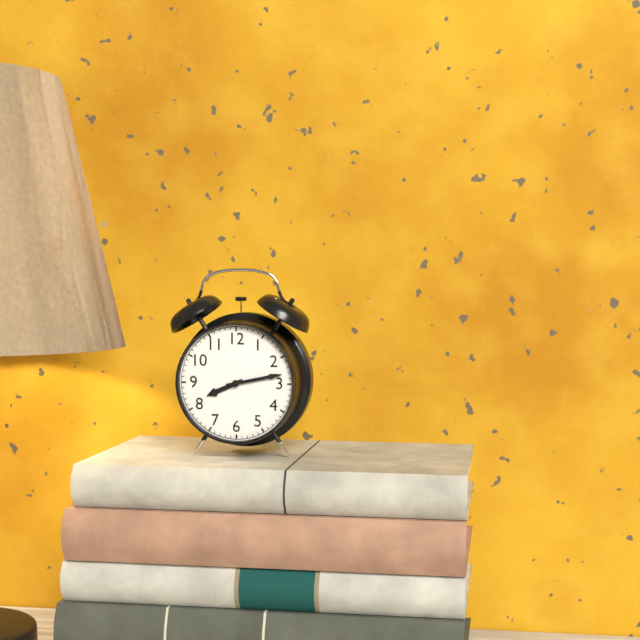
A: 8 h 13 min
